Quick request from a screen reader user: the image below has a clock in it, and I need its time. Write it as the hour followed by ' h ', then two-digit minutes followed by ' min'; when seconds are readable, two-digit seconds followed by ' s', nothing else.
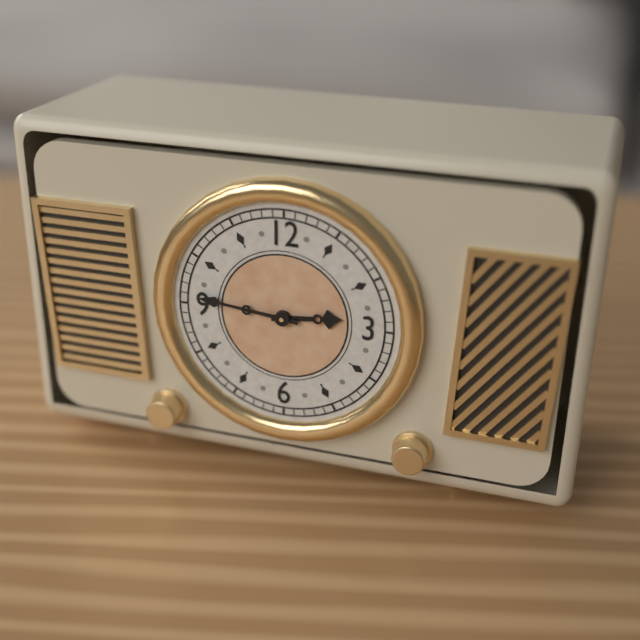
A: 2 h 46 min
